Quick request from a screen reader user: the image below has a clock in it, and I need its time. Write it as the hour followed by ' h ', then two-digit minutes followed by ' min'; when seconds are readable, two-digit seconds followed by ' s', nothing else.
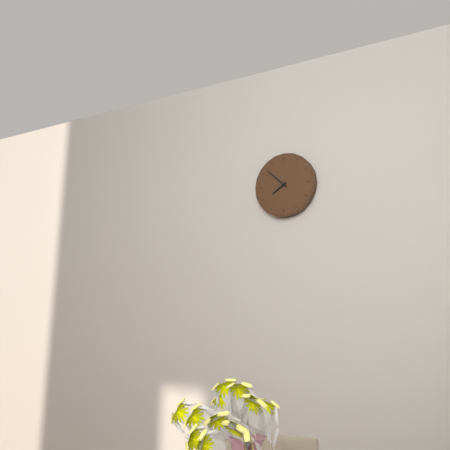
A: 7 h 52 min
